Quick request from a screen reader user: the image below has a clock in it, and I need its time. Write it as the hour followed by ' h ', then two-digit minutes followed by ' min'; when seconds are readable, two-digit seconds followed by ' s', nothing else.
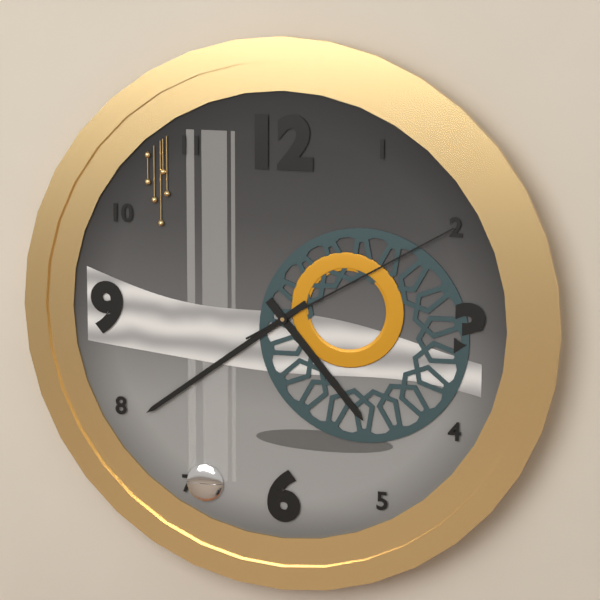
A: 4 h 39 min 10 s
